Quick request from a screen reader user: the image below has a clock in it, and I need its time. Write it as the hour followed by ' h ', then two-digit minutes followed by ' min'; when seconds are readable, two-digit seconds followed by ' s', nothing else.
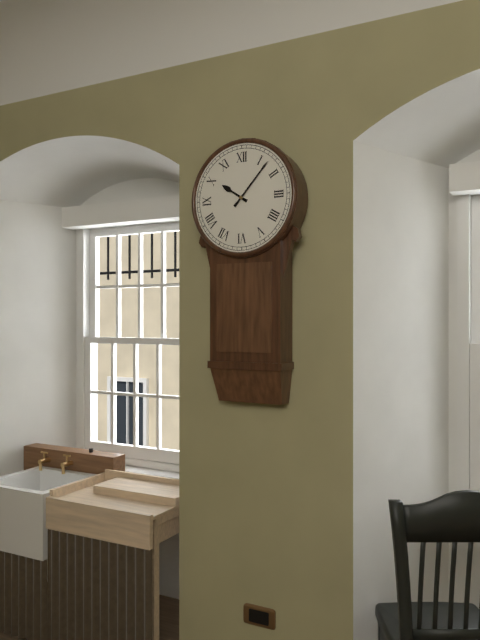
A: 10 h 07 min
